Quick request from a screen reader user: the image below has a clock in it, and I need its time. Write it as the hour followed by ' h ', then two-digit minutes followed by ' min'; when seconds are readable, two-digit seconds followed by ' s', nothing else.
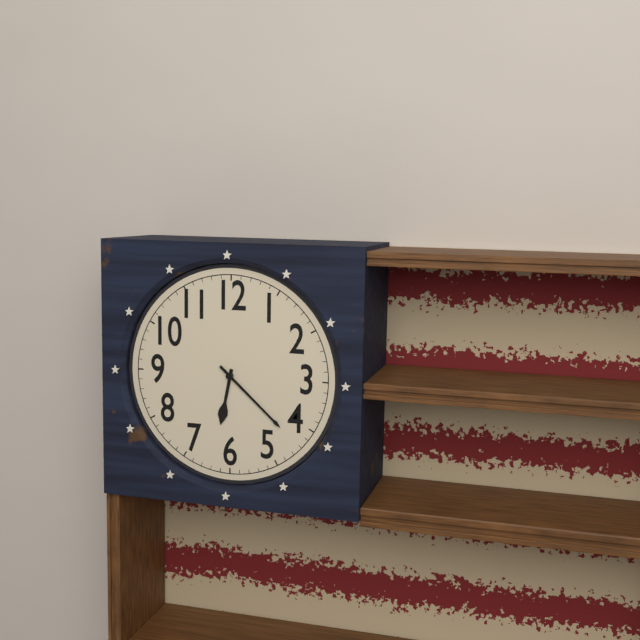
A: 6 h 22 min
